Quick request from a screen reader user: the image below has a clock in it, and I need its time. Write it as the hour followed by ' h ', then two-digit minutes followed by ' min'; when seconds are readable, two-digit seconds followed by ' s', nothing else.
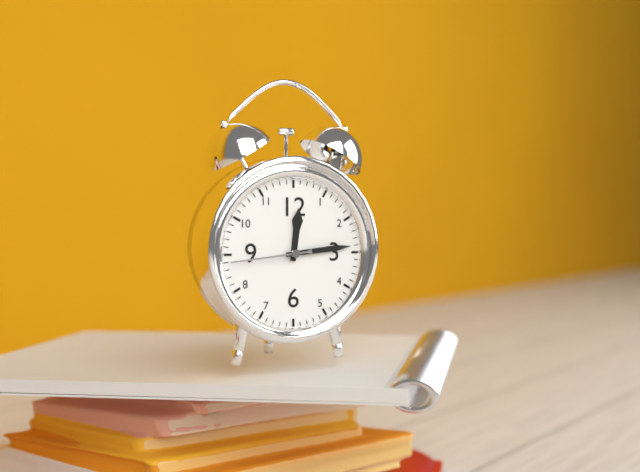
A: 12 h 14 min 44 s
